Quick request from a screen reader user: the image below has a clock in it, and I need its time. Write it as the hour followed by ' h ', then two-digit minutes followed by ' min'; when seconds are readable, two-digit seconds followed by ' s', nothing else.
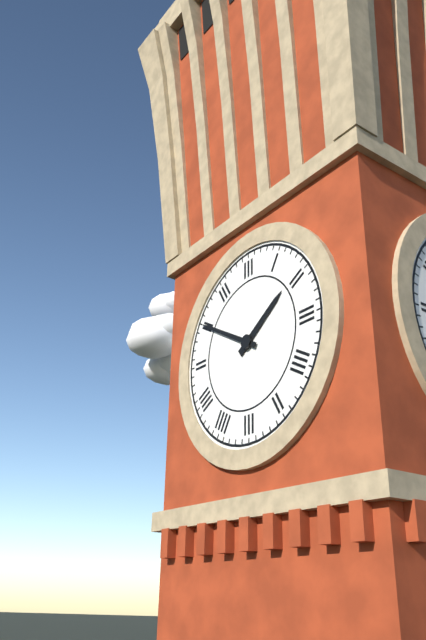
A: 1 h 50 min
